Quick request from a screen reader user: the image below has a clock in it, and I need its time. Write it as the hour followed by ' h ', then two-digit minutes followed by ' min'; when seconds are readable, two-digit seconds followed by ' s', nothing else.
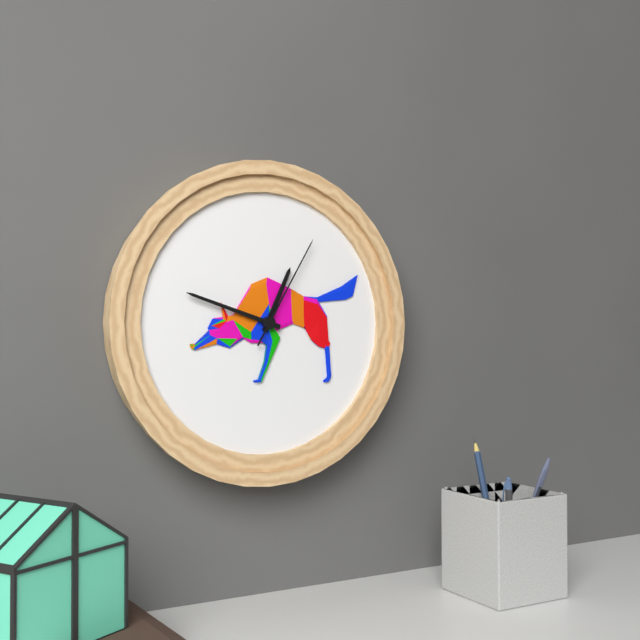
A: 12 h 48 min 05 s
